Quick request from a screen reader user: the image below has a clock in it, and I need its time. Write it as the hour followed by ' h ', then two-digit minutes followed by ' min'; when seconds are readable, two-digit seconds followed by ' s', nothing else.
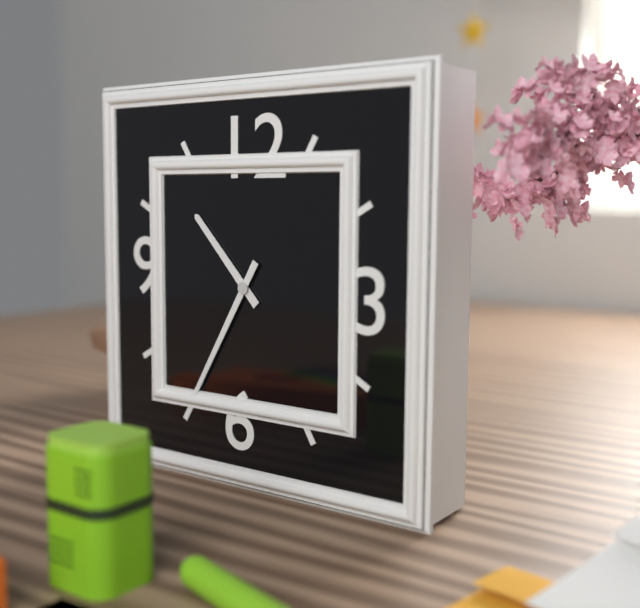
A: 10 h 35 min
